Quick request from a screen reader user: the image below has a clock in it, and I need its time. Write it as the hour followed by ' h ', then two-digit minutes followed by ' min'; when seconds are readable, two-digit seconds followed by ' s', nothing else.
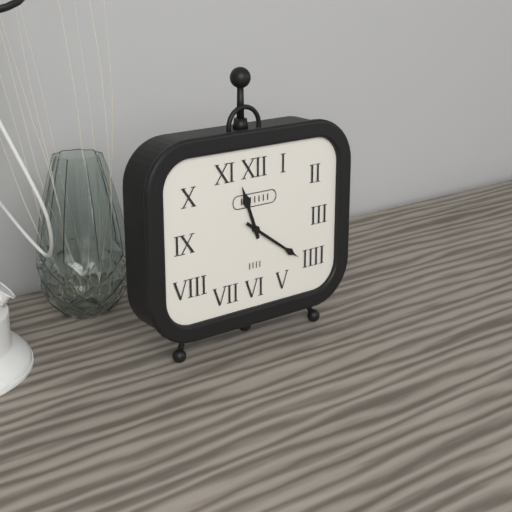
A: 11 h 21 min
